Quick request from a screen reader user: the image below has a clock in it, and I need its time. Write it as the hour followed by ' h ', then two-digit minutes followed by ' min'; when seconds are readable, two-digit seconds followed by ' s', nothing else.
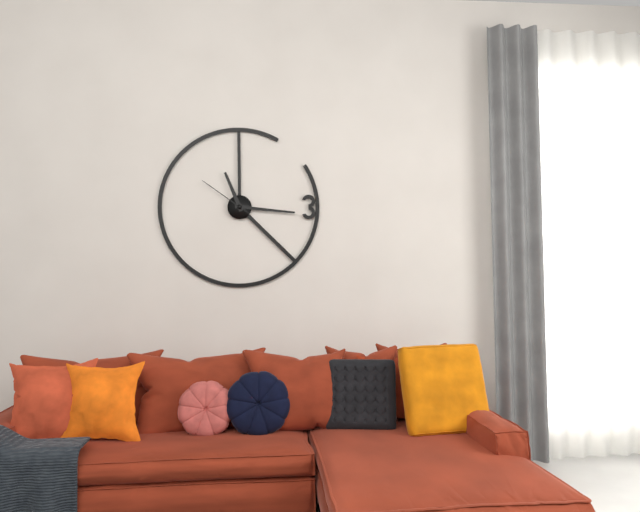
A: 11 h 16 min 51 s
